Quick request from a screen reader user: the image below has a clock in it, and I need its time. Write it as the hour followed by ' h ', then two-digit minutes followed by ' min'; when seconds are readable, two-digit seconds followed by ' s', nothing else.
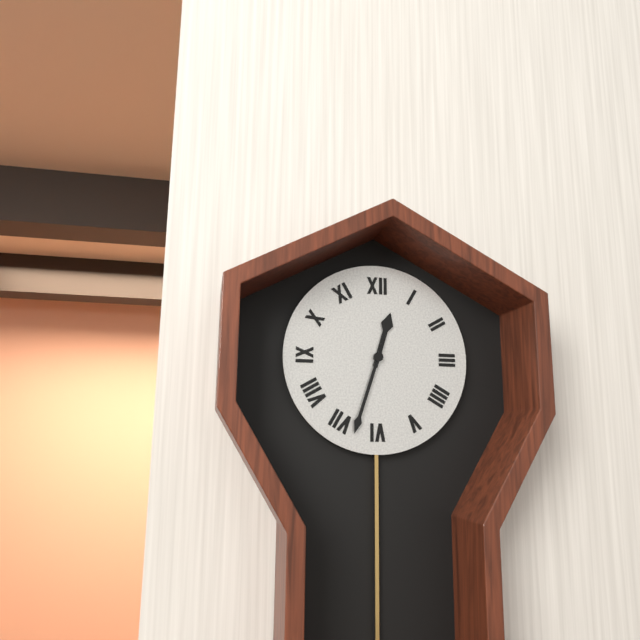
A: 12 h 33 min
